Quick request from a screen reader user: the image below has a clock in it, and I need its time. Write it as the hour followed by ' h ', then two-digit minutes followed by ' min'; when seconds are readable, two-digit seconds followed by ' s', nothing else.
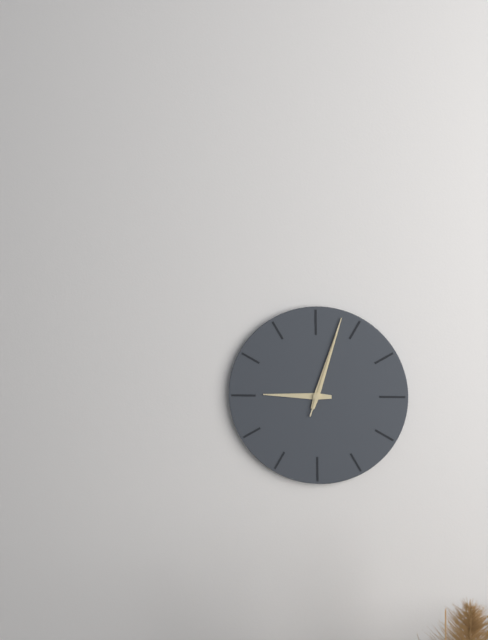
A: 9 h 03 min 03 s
